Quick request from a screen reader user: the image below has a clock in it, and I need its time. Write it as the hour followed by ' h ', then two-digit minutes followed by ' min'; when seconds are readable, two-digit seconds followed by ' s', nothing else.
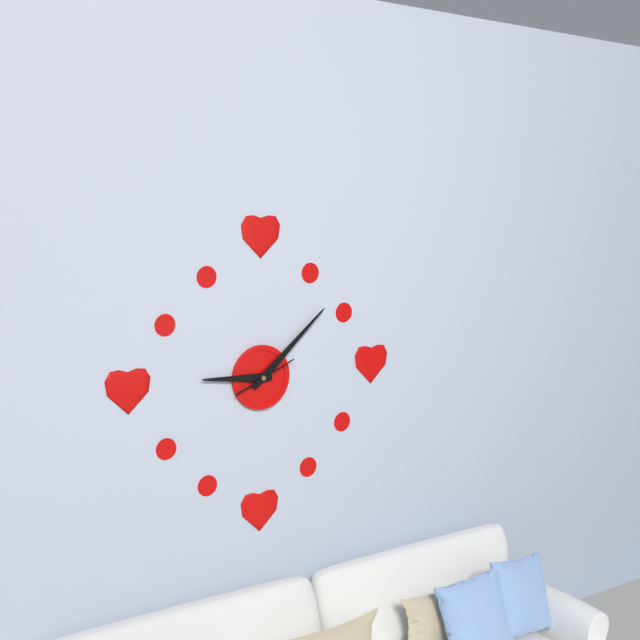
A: 9 h 08 min
